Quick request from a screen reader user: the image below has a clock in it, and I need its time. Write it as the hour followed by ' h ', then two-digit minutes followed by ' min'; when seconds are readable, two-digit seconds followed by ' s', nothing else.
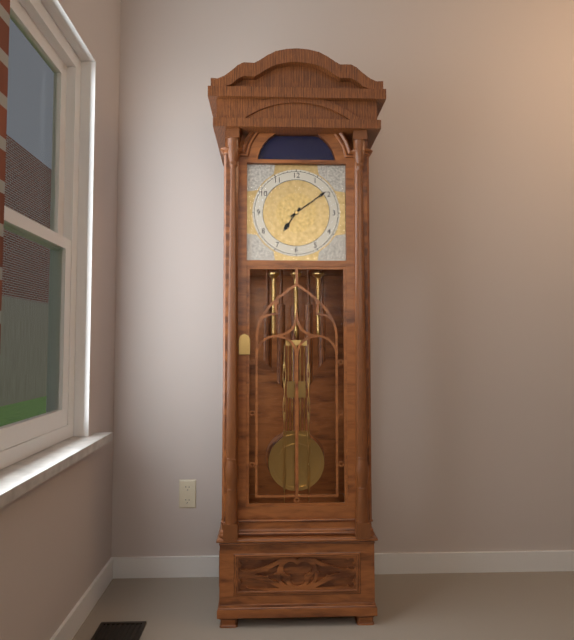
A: 7 h 09 min
